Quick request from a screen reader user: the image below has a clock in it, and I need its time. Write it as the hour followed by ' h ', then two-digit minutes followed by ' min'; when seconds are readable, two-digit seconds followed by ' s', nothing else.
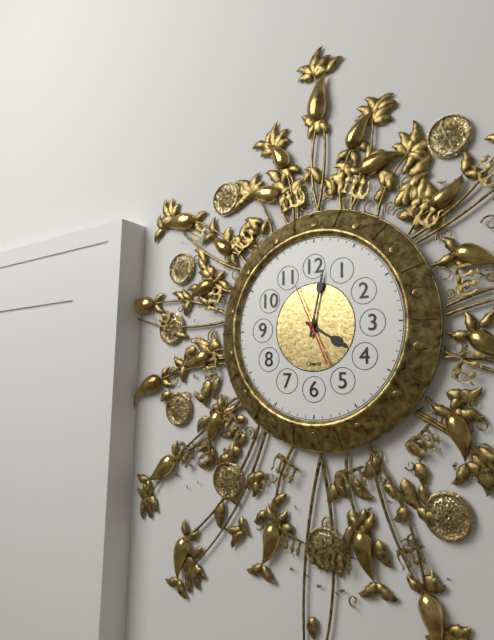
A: 4 h 02 min 56 s
